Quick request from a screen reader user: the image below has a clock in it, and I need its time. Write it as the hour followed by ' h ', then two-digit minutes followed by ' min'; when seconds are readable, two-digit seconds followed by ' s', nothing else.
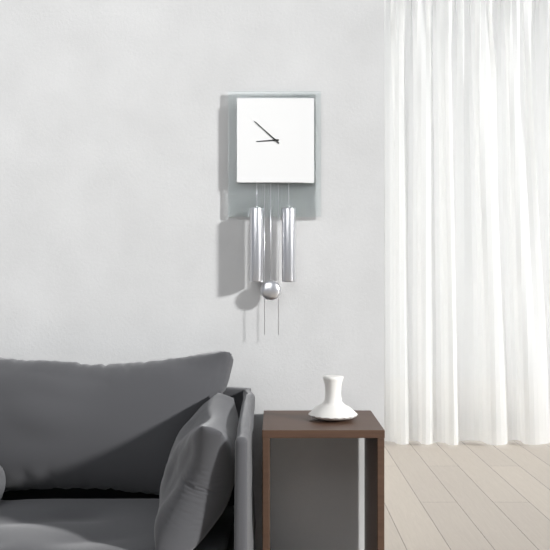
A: 8 h 52 min
